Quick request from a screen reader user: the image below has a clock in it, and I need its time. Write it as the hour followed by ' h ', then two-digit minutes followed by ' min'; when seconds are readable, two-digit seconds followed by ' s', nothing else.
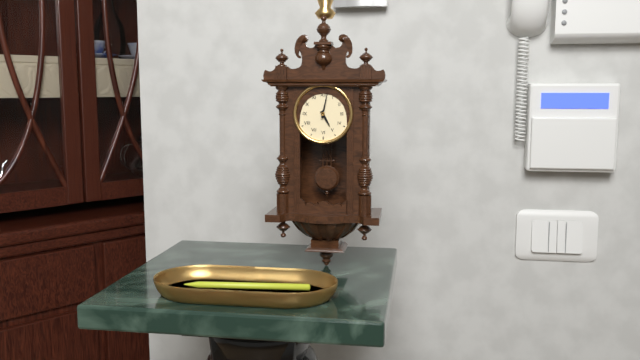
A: 5 h 02 min
